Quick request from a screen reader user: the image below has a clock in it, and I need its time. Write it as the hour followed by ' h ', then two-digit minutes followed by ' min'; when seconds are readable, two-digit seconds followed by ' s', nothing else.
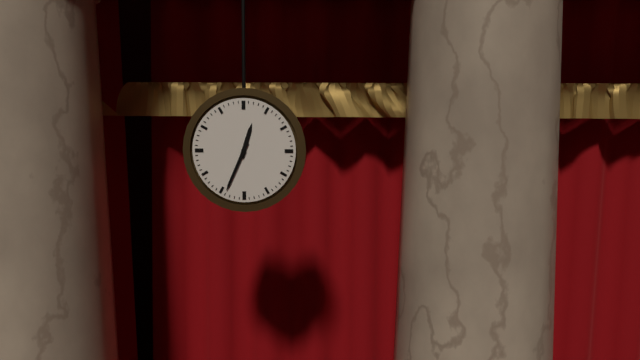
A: 12 h 34 min
